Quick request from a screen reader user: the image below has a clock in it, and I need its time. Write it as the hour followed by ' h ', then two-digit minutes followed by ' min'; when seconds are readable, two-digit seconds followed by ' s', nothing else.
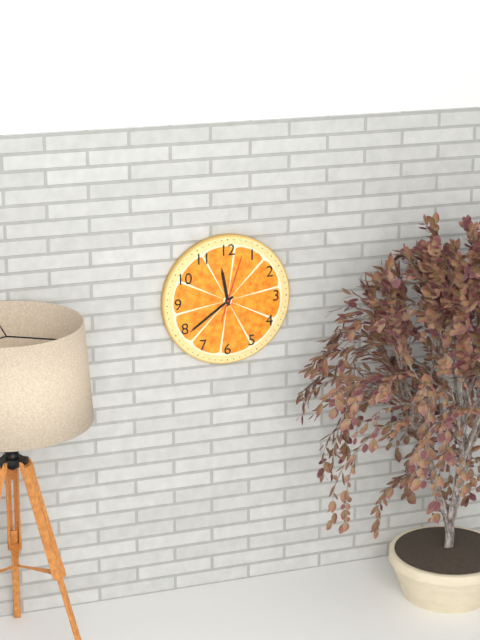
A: 11 h 39 min 03 s
